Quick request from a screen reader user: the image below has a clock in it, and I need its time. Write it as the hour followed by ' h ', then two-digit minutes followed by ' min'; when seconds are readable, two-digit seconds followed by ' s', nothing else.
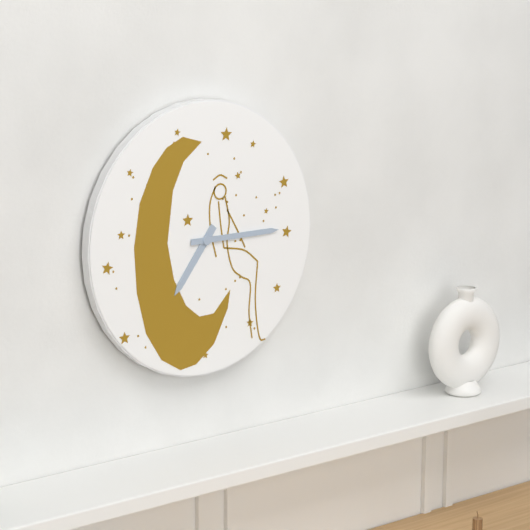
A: 7 h 15 min
